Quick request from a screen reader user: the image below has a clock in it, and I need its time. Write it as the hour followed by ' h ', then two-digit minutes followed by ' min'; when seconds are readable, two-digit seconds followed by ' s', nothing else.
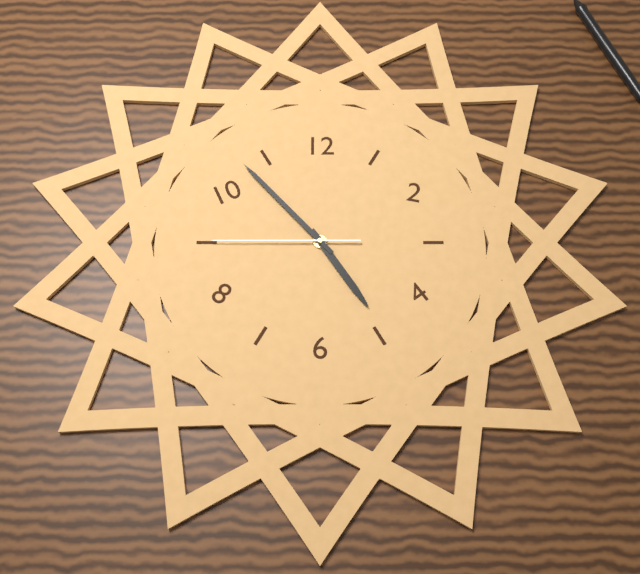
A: 4 h 53 min 45 s
